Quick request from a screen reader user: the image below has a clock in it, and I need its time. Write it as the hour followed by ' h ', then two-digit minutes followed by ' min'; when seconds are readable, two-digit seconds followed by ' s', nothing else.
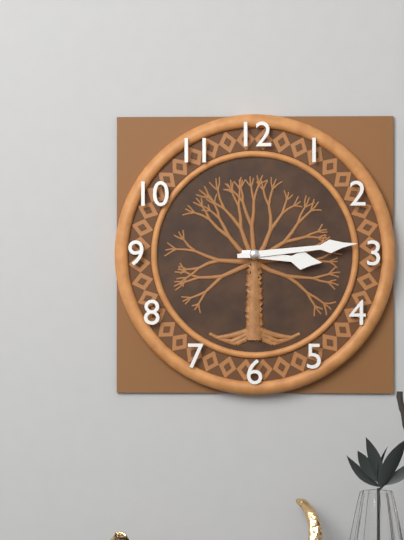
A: 3 h 14 min
